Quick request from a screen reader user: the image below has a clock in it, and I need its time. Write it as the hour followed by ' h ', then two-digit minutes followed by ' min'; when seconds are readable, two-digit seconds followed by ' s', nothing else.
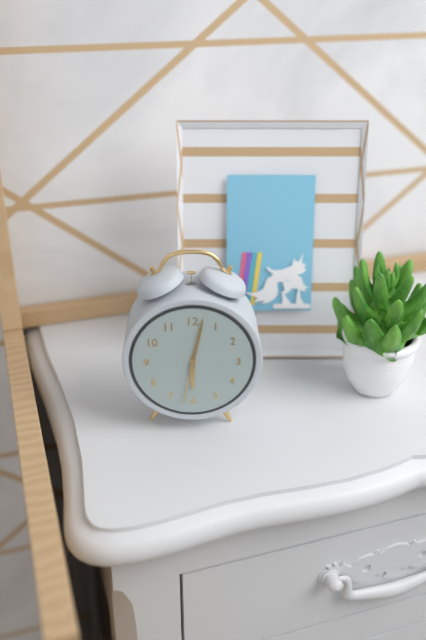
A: 6 h 02 min 32 s
